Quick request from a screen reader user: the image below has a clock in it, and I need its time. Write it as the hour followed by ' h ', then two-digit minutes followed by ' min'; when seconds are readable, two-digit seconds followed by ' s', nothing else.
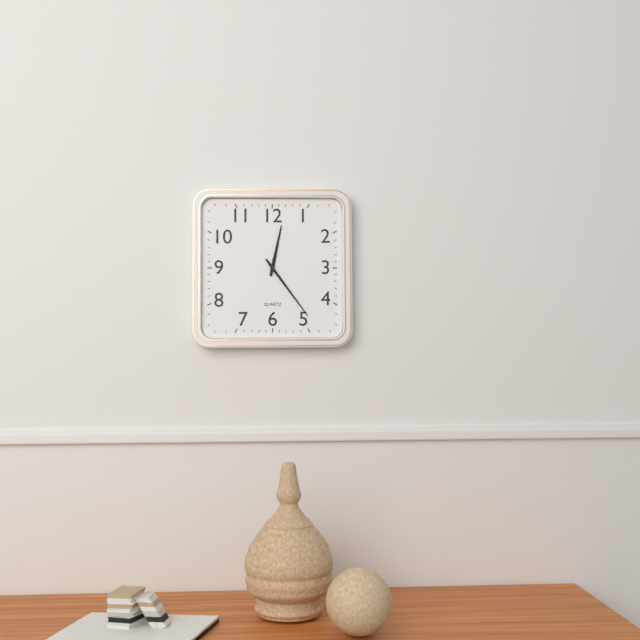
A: 12 h 24 min
